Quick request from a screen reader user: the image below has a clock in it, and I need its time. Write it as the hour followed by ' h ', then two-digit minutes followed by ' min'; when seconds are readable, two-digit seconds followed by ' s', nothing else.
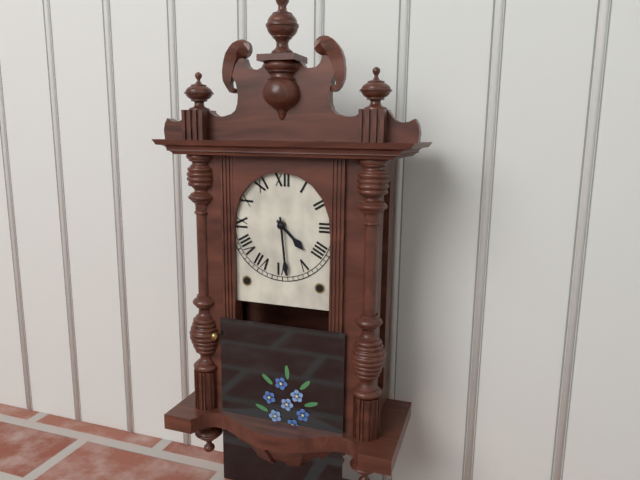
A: 4 h 29 min
